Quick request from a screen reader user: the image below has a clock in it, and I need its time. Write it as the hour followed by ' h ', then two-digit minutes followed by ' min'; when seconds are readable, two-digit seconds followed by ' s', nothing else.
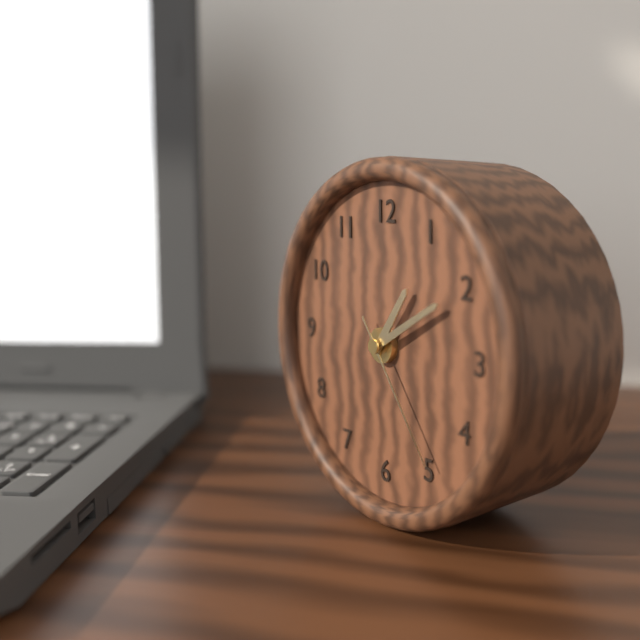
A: 1 h 10 min 24 s
